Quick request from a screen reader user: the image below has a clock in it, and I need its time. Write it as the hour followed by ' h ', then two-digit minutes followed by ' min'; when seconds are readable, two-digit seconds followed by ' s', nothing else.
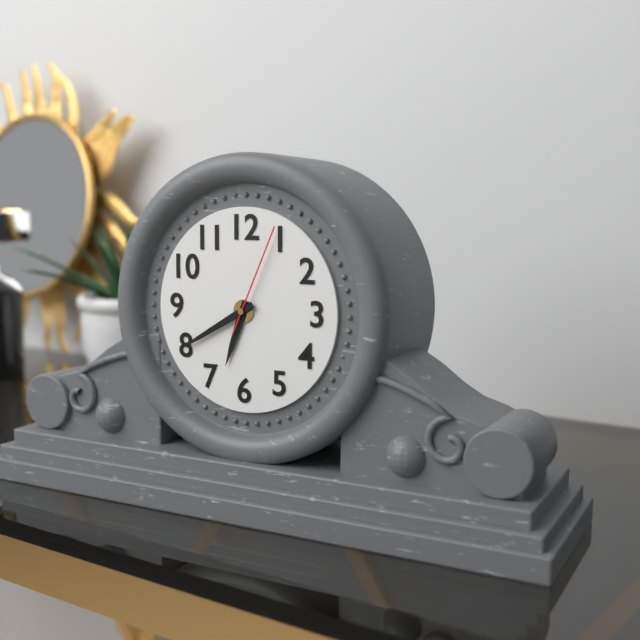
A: 6 h 40 min 04 s
